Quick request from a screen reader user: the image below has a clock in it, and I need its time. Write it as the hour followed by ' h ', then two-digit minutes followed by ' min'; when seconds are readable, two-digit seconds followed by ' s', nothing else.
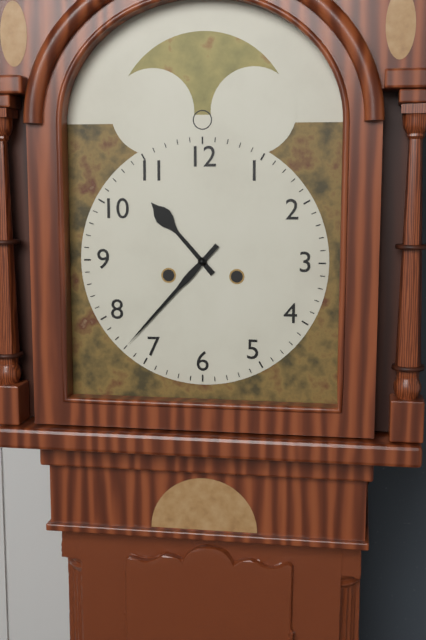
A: 10 h 37 min
